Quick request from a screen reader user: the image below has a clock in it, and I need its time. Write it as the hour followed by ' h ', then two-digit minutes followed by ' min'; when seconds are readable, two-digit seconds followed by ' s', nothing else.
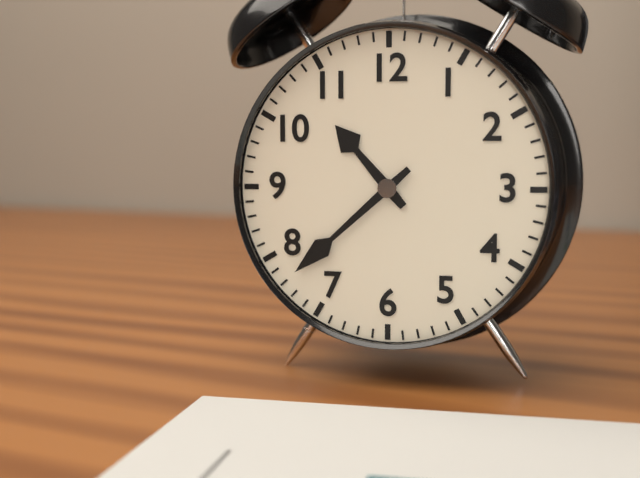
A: 10 h 38 min
